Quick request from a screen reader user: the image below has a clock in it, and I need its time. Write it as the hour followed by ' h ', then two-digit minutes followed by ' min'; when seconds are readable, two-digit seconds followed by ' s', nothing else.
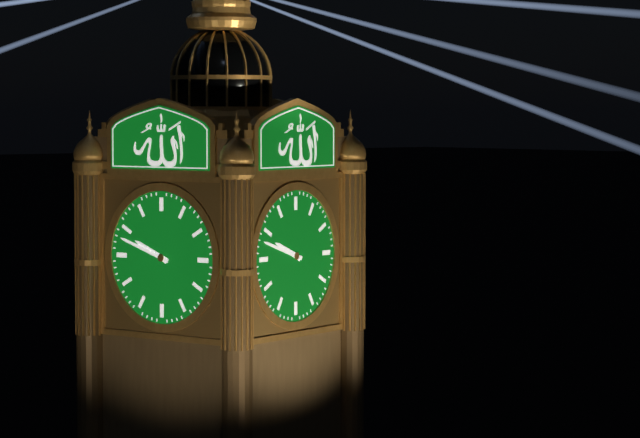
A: 9 h 48 min
